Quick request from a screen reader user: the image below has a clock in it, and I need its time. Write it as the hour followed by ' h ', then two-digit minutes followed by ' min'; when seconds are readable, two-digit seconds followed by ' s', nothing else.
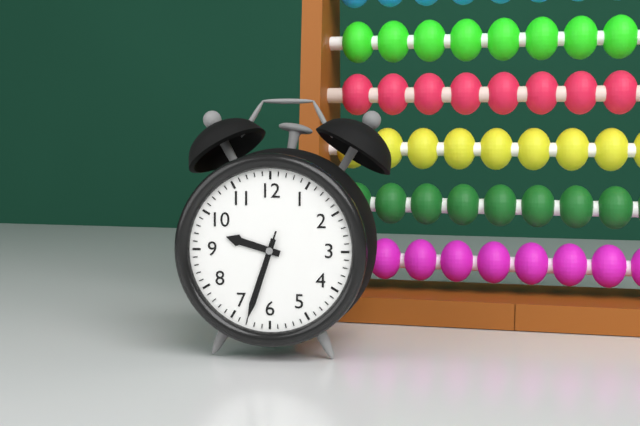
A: 9 h 33 min 33 s
